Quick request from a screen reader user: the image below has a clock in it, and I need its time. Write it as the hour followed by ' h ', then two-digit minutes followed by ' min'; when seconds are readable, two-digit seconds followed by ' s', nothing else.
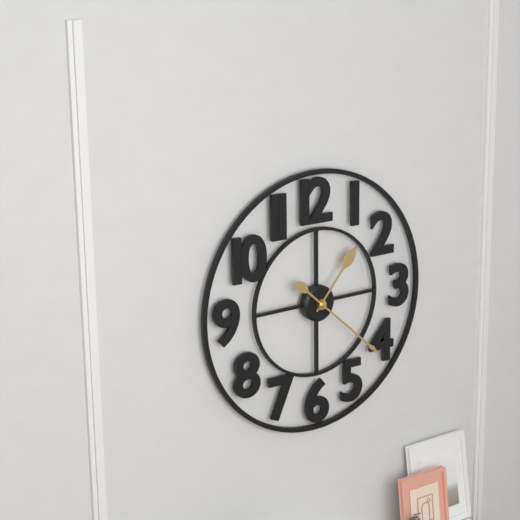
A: 1 h 22 min
